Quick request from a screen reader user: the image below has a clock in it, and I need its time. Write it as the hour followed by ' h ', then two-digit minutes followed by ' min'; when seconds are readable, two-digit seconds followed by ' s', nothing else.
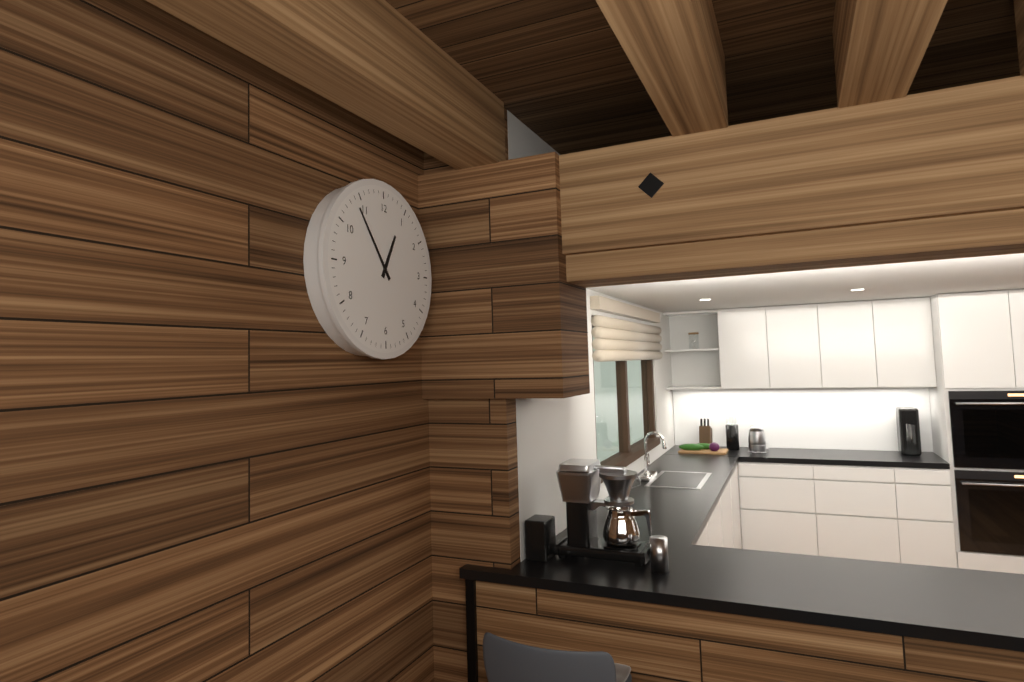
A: 12 h 54 min
